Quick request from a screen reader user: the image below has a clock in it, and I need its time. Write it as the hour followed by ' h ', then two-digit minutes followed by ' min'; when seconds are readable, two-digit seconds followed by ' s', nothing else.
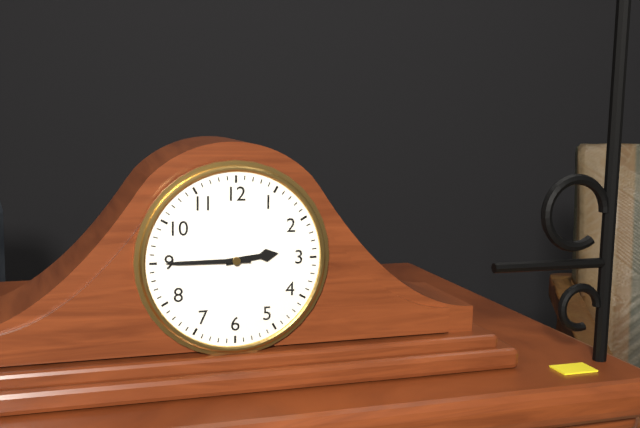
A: 2 h 45 min
